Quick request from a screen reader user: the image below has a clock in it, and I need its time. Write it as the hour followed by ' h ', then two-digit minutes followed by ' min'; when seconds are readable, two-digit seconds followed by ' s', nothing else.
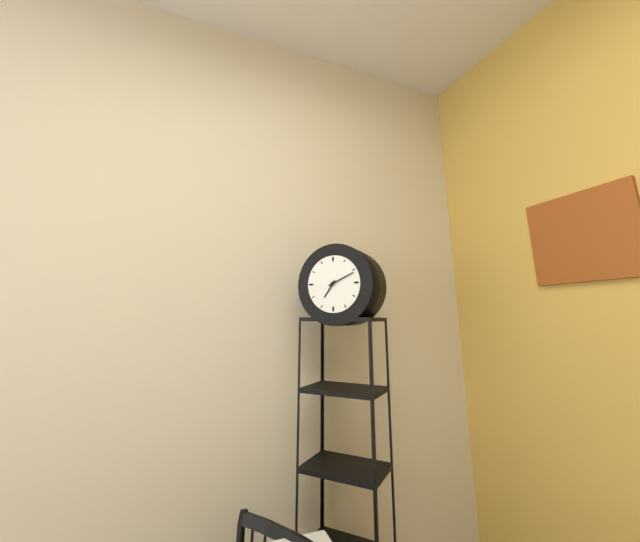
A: 7 h 11 min
